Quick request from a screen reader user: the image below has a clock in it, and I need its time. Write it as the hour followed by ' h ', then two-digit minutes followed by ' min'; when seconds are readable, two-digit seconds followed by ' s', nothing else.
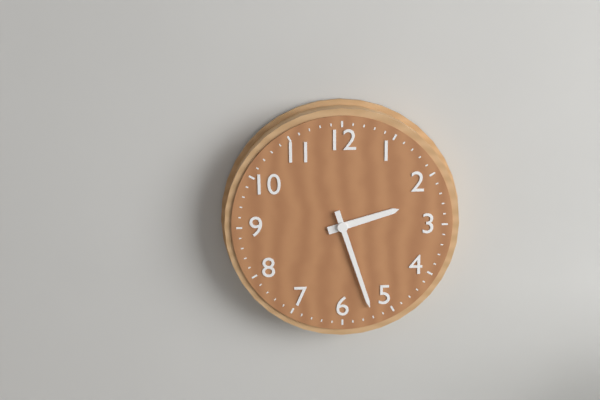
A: 2 h 27 min
